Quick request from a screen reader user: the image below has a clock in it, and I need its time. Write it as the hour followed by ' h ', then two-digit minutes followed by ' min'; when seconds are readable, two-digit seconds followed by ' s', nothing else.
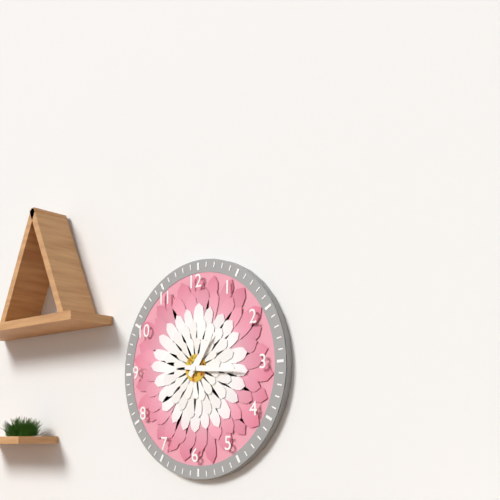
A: 1 h 16 min
